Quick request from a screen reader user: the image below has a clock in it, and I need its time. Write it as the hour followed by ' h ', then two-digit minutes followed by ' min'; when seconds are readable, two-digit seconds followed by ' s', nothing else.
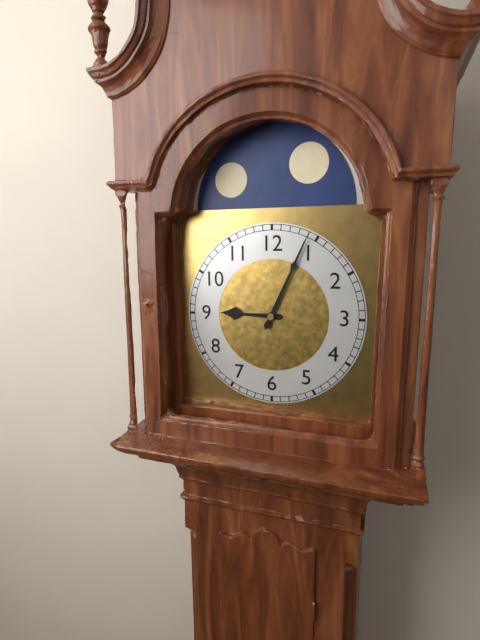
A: 9 h 04 min
